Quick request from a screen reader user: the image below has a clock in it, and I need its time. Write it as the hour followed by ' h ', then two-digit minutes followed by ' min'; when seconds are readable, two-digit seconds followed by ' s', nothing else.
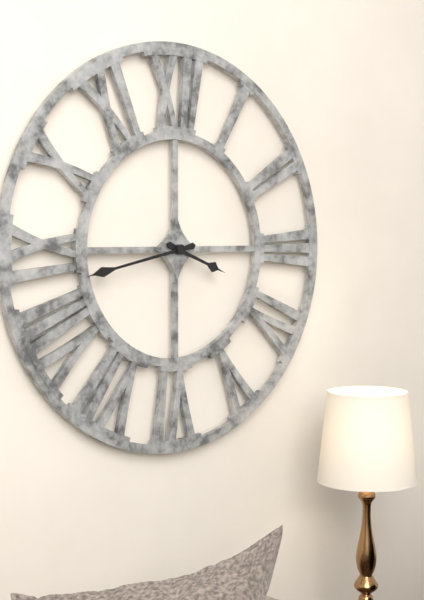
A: 3 h 43 min
